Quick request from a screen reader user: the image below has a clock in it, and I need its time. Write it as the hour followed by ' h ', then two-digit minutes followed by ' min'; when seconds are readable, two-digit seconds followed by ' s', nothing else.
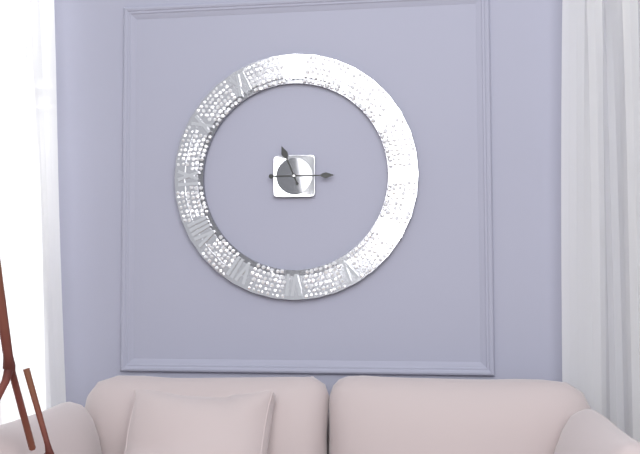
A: 11 h 15 min
